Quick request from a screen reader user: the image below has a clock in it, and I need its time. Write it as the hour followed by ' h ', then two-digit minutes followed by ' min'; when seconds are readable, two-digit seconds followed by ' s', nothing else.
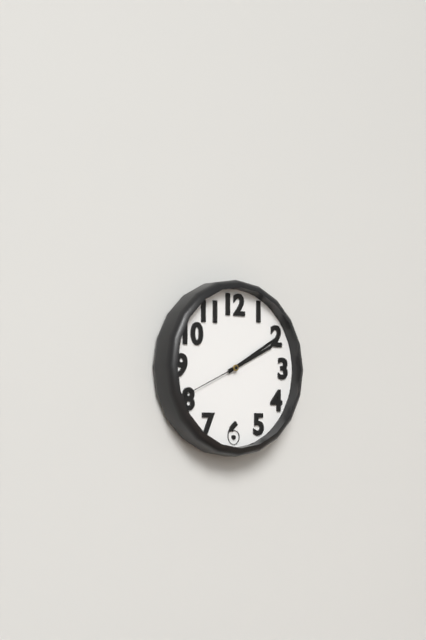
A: 2 h 10 min 41 s
